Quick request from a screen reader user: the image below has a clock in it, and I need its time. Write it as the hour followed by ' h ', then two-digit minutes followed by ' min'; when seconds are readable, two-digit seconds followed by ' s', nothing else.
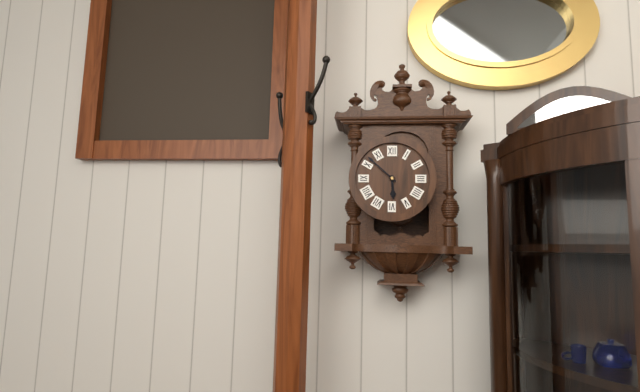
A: 5 h 52 min
